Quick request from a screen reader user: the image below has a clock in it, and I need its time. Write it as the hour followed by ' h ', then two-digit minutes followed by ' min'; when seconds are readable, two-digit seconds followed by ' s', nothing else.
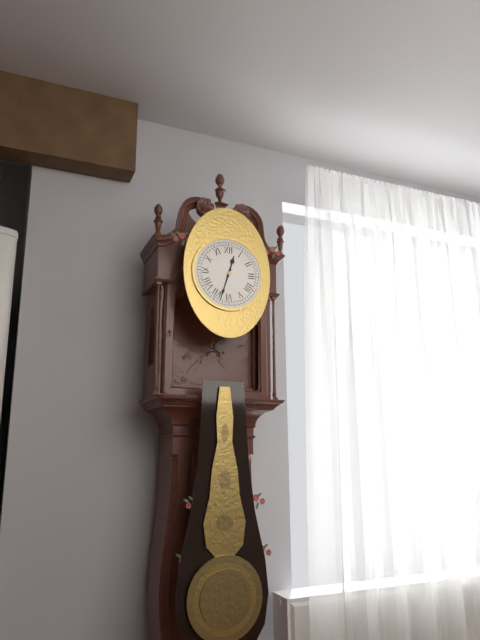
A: 12 h 33 min
